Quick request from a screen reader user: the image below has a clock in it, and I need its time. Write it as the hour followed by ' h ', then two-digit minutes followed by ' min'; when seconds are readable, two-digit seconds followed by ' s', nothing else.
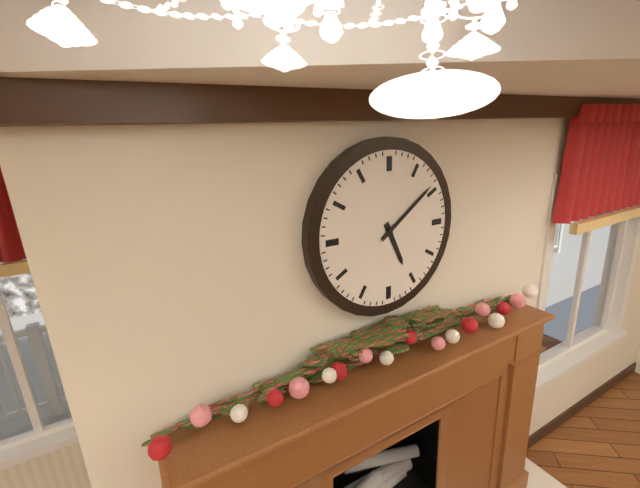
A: 5 h 09 min
